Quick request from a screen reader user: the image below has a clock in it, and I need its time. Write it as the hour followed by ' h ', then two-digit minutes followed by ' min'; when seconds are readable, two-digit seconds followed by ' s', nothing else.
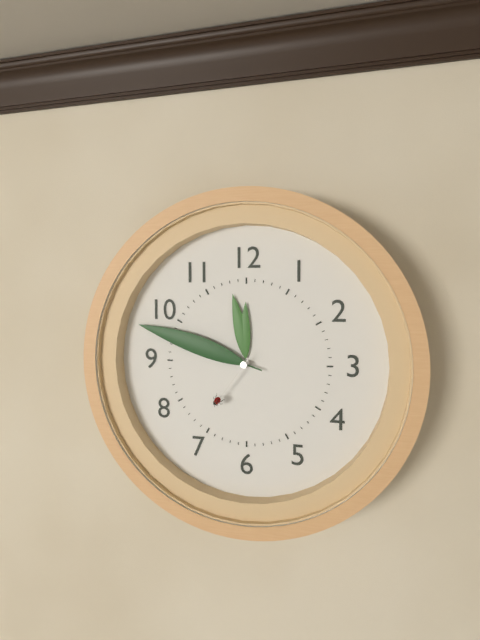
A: 11 h 48 min 36 s
